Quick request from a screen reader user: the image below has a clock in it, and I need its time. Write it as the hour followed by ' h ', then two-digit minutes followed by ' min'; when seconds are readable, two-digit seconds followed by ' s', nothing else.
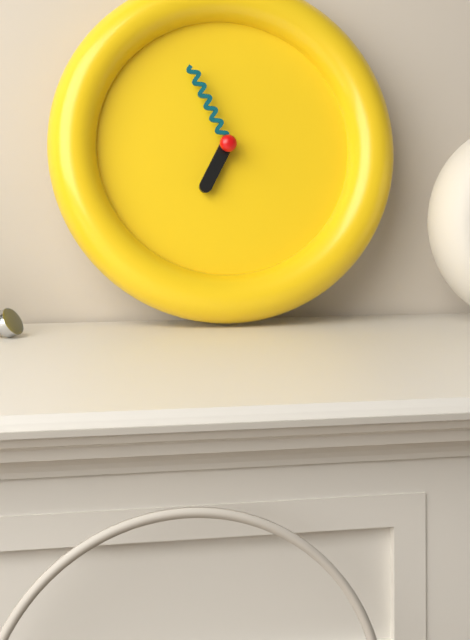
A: 6 h 56 min
